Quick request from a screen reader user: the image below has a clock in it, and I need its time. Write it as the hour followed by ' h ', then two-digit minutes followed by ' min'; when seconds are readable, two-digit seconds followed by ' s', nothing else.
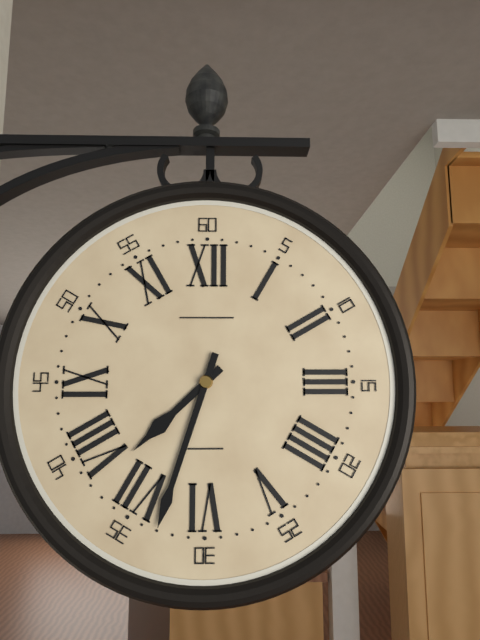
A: 7 h 33 min
